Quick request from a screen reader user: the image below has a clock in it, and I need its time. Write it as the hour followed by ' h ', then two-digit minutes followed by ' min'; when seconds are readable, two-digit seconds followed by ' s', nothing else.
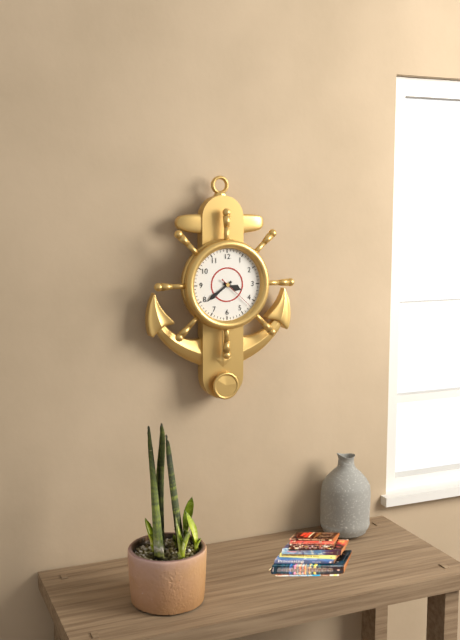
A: 3 h 39 min
